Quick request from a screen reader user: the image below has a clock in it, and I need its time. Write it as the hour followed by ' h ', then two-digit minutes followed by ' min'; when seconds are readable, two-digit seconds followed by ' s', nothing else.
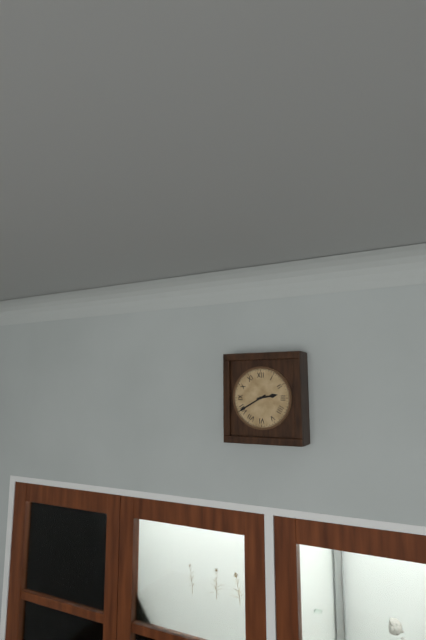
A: 2 h 40 min
